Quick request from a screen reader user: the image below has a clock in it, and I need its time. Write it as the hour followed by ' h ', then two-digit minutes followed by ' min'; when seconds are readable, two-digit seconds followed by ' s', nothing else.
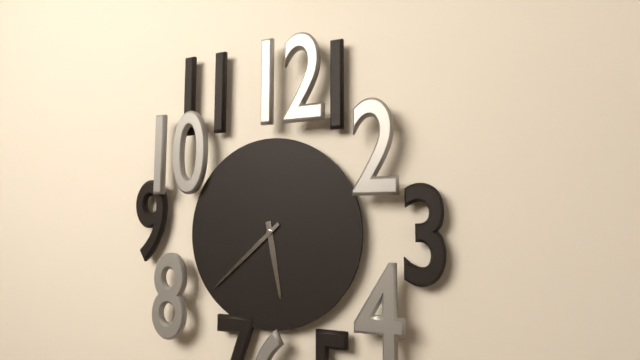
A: 5 h 38 min
